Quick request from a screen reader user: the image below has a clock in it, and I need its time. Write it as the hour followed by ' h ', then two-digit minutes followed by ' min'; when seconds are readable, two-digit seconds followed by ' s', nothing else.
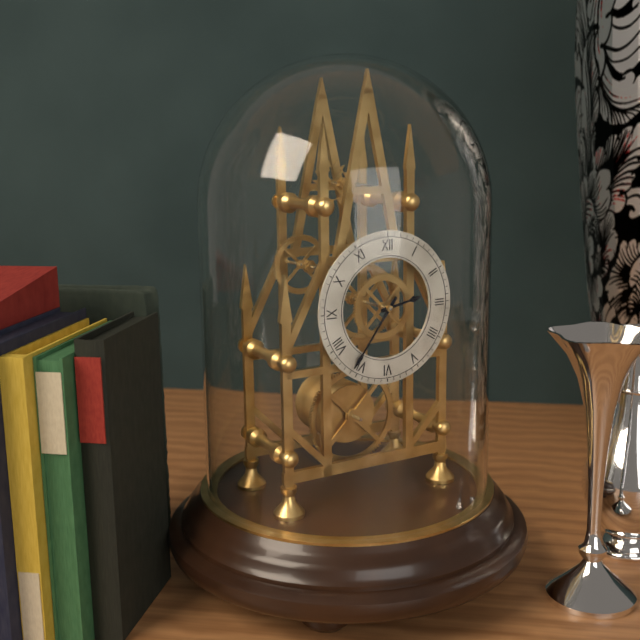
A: 2 h 36 min
